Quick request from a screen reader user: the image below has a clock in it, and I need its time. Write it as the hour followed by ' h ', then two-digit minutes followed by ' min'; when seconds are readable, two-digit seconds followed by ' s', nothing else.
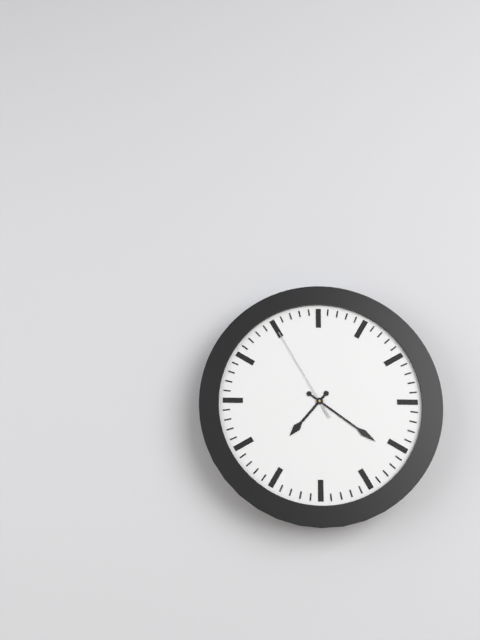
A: 7 h 21 min 55 s
